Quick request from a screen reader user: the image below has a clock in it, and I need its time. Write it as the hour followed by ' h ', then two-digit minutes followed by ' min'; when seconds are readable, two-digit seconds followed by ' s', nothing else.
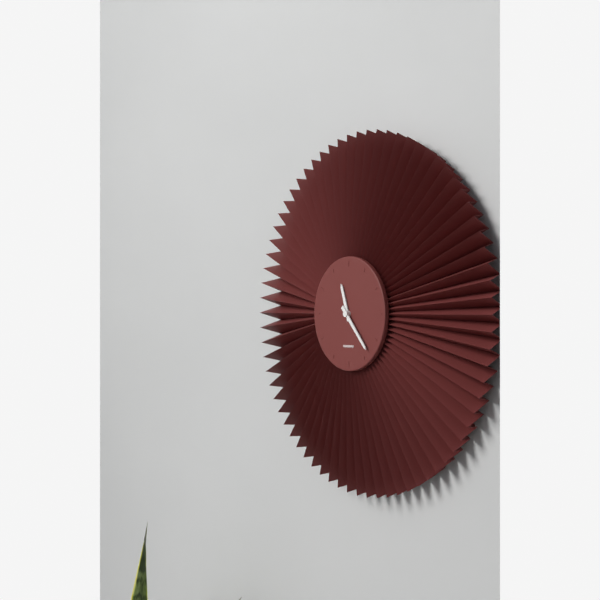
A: 11 h 23 min
